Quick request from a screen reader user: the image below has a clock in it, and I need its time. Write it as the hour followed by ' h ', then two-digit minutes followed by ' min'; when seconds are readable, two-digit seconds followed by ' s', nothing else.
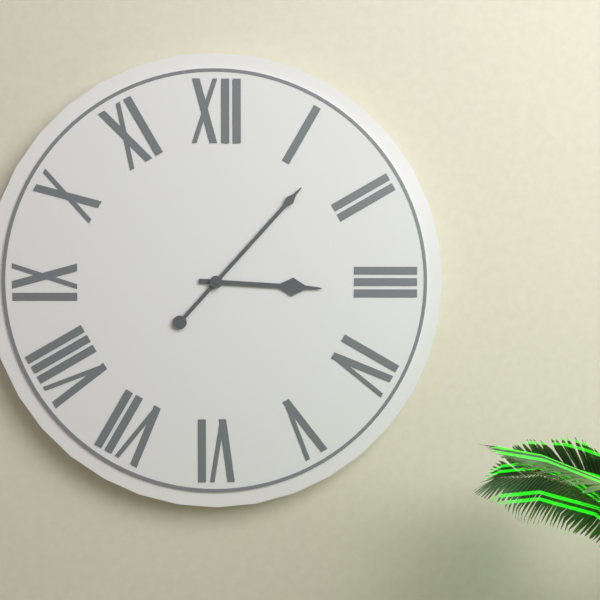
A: 3 h 07 min
